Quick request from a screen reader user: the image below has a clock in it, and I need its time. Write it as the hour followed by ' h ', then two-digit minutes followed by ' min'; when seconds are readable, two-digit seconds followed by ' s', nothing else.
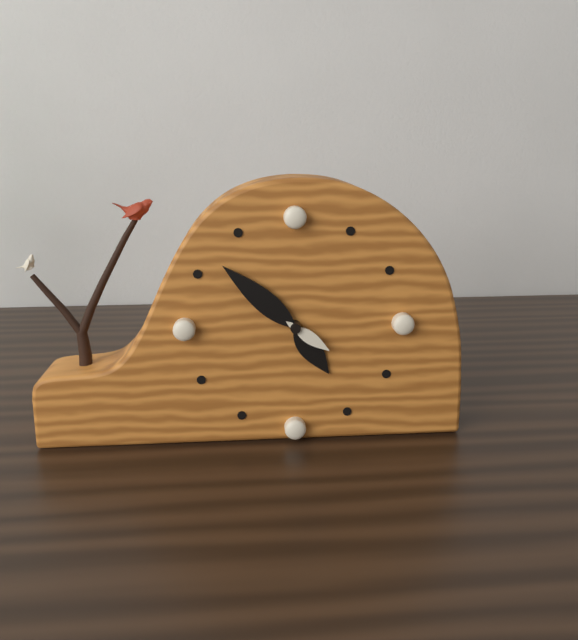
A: 4 h 52 min 21 s
